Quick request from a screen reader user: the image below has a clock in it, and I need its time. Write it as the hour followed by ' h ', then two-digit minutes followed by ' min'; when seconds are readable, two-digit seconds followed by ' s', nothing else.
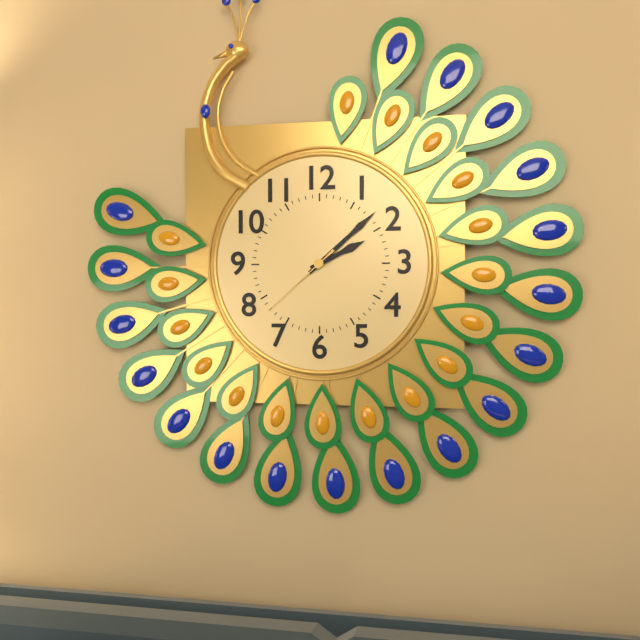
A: 2 h 08 min 38 s
